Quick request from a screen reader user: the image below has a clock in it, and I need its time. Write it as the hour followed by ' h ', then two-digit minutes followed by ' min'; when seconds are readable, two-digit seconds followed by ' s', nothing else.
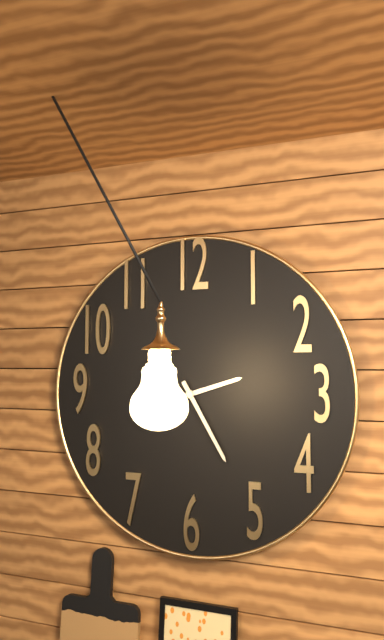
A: 2 h 25 min
